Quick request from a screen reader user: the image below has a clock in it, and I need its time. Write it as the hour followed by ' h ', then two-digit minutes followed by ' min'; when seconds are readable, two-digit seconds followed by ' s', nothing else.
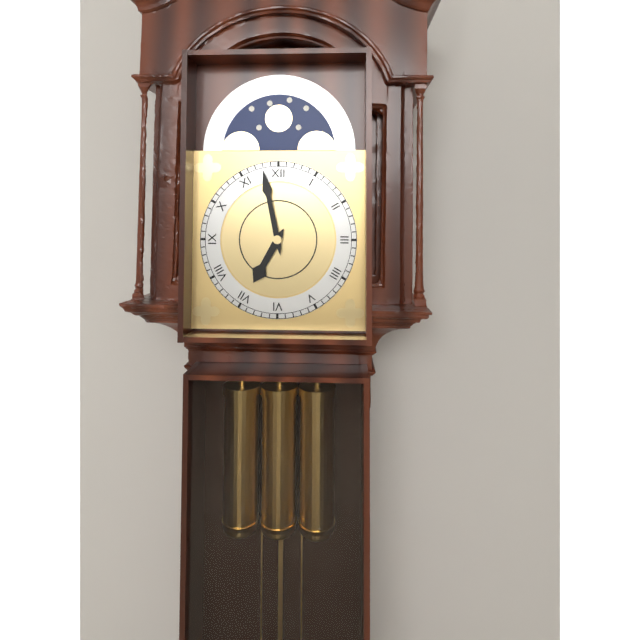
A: 6 h 58 min
